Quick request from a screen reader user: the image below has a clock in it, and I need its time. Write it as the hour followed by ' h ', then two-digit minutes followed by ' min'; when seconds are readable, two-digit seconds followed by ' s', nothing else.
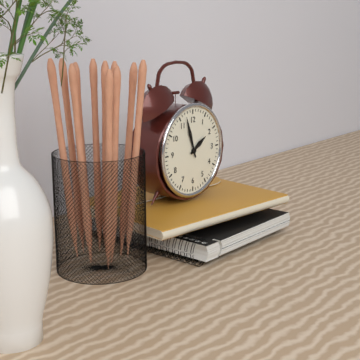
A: 1 h 57 min
